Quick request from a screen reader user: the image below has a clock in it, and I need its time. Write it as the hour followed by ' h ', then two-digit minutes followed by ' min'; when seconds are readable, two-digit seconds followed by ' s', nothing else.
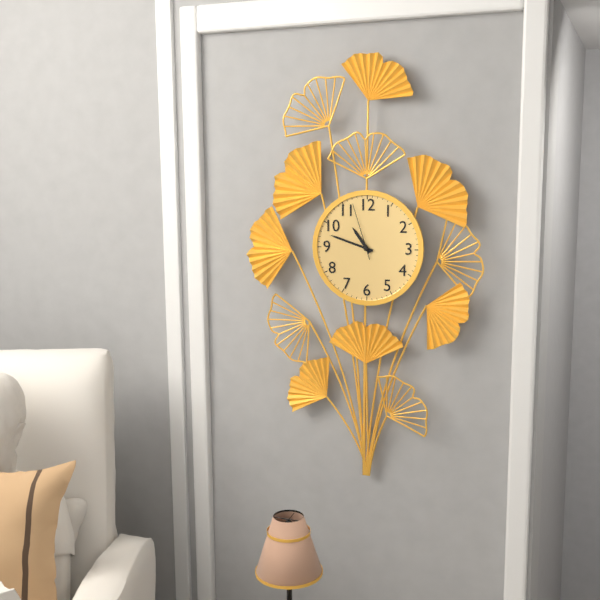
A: 10 h 48 min 57 s
